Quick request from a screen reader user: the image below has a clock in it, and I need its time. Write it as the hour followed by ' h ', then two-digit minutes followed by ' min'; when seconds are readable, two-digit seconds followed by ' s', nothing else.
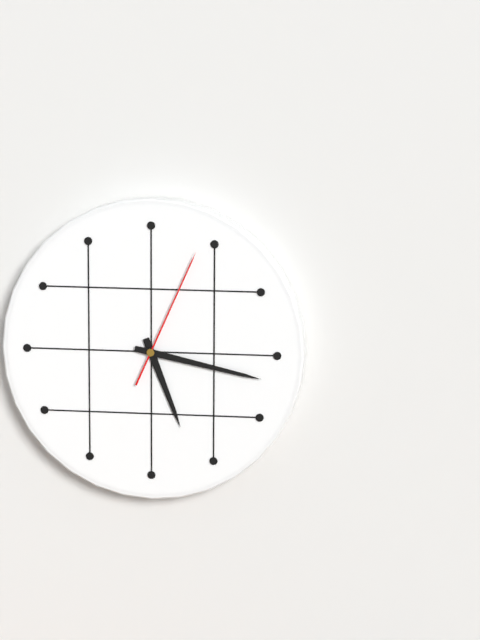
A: 5 h 17 min 04 s
